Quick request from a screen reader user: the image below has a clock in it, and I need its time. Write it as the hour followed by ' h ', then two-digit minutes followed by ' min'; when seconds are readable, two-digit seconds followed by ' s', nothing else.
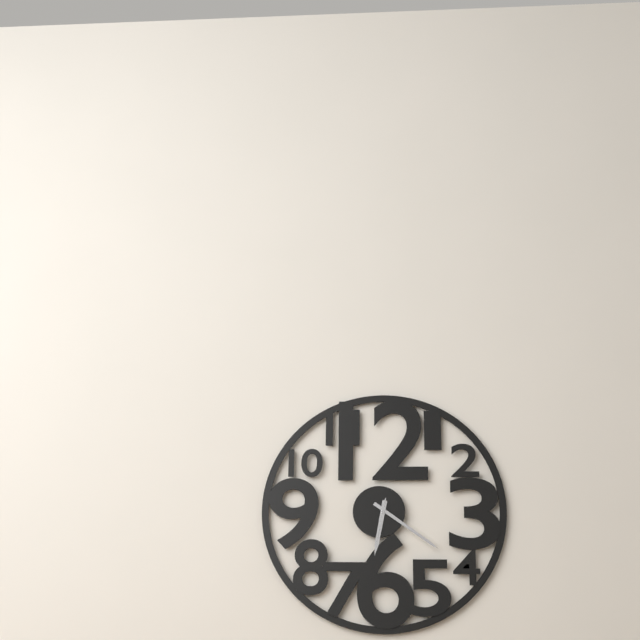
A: 6 h 21 min
